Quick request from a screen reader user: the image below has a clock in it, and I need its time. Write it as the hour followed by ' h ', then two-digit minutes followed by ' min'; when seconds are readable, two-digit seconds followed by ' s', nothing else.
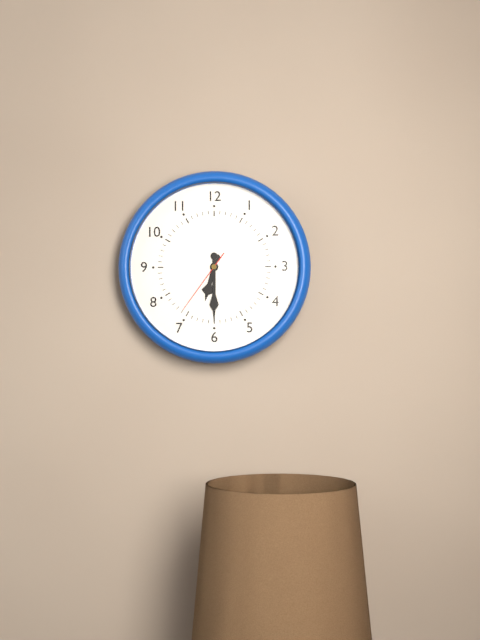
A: 6 h 30 min 36 s
